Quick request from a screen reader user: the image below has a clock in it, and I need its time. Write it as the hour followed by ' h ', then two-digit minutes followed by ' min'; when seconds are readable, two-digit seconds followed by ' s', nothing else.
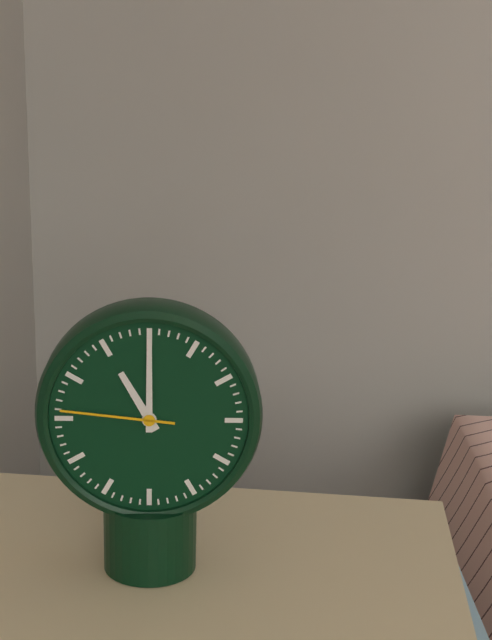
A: 11 h 00 min 46 s
